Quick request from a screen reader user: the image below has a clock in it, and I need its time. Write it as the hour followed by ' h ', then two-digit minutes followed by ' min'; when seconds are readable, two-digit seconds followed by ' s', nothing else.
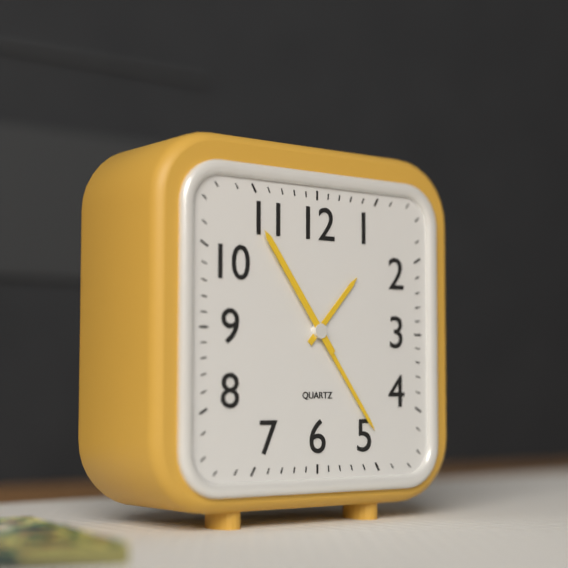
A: 1 h 24 min 54 s
